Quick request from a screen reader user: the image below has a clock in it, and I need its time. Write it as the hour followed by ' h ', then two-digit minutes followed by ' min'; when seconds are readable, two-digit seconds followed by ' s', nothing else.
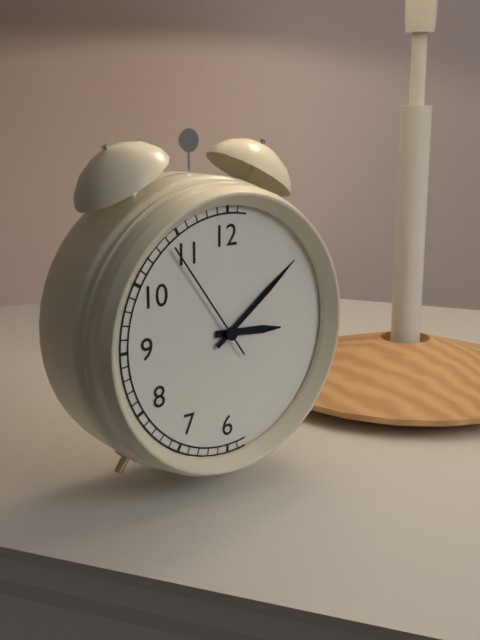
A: 3 h 09 min 54 s
